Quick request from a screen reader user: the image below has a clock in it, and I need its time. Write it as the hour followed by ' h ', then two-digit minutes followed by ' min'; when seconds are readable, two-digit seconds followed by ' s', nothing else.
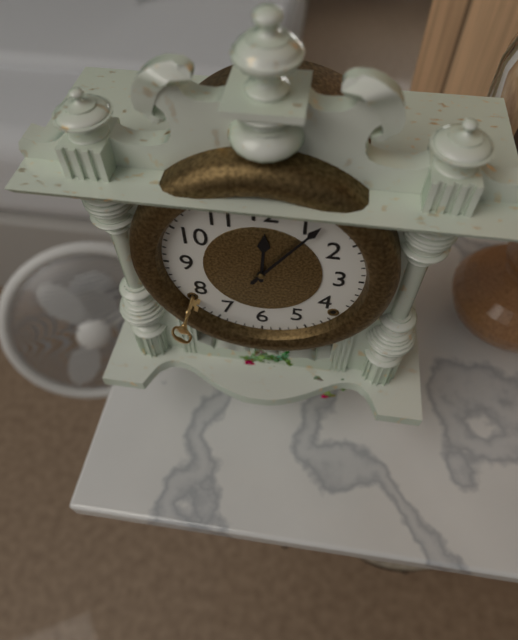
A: 12 h 06 min
